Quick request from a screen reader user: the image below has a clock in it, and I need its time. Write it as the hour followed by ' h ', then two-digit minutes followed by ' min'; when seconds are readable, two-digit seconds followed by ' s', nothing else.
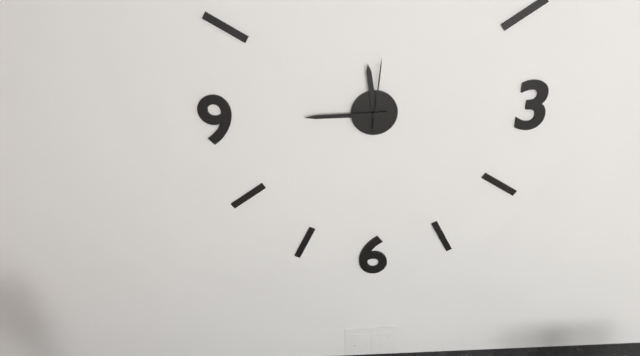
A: 11 h 45 min 01 s
